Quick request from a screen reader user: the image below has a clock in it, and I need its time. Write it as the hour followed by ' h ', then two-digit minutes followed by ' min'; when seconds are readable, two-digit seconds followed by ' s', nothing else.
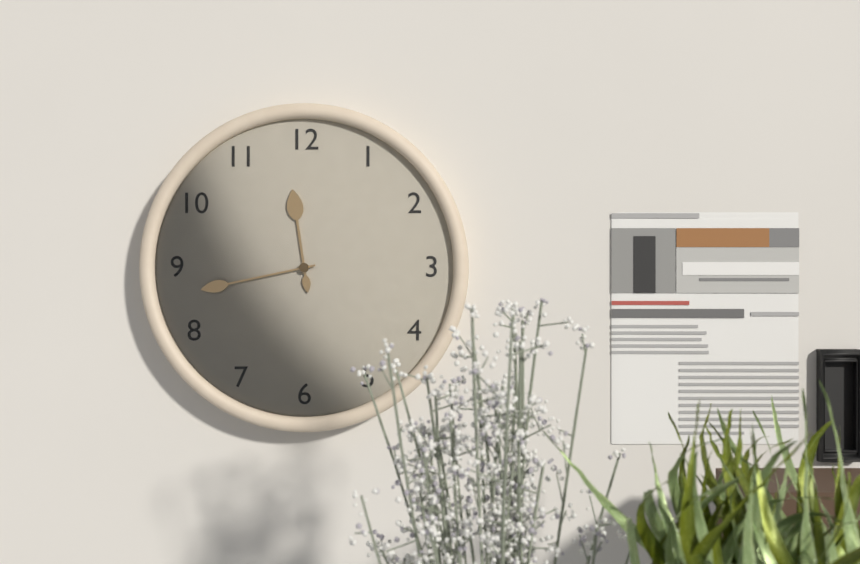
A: 11 h 43 min
